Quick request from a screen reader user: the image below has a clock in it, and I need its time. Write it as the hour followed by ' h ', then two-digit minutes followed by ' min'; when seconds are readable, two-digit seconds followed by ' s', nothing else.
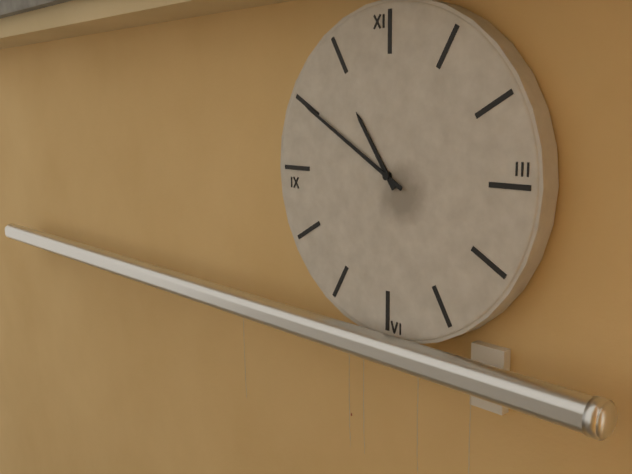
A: 10 h 50 min
